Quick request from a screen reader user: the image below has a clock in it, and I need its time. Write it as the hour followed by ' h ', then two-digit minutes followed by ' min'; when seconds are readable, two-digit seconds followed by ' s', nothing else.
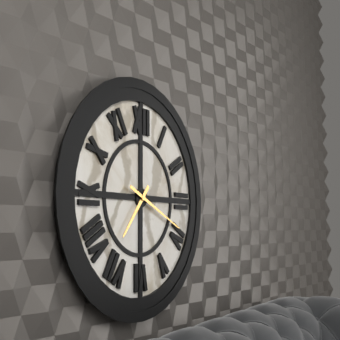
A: 7 h 19 min
